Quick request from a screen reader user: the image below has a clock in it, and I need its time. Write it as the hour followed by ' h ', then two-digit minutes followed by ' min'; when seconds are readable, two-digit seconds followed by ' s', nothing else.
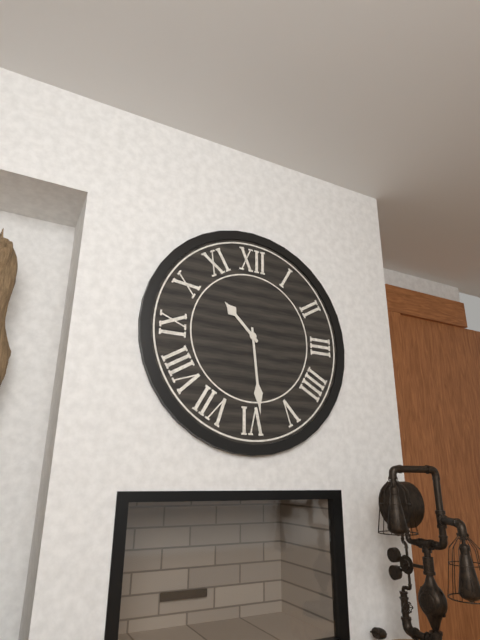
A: 10 h 29 min
